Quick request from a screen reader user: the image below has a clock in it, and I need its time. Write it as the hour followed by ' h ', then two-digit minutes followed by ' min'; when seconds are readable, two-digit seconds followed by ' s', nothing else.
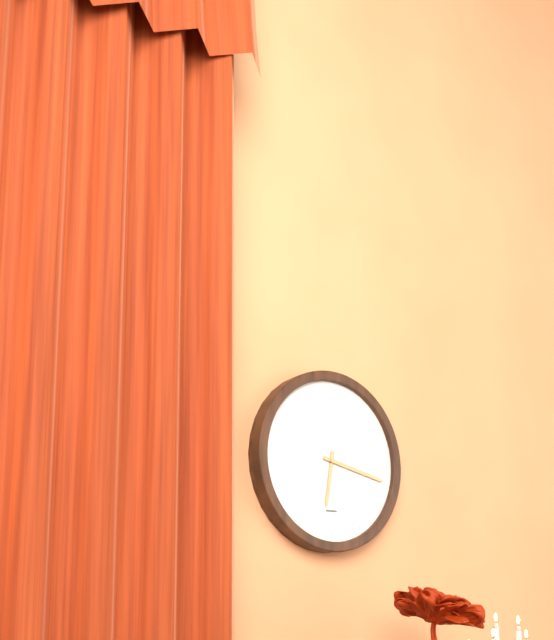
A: 6 h 17 min
